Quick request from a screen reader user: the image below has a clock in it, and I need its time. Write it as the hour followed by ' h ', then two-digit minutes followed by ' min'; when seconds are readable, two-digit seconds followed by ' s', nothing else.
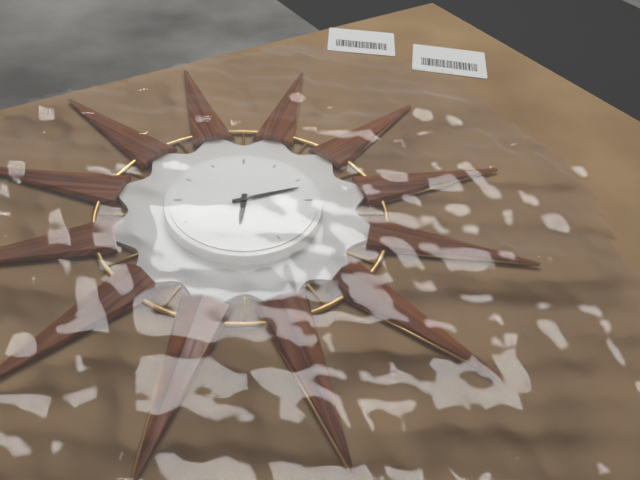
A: 6 h 12 min
